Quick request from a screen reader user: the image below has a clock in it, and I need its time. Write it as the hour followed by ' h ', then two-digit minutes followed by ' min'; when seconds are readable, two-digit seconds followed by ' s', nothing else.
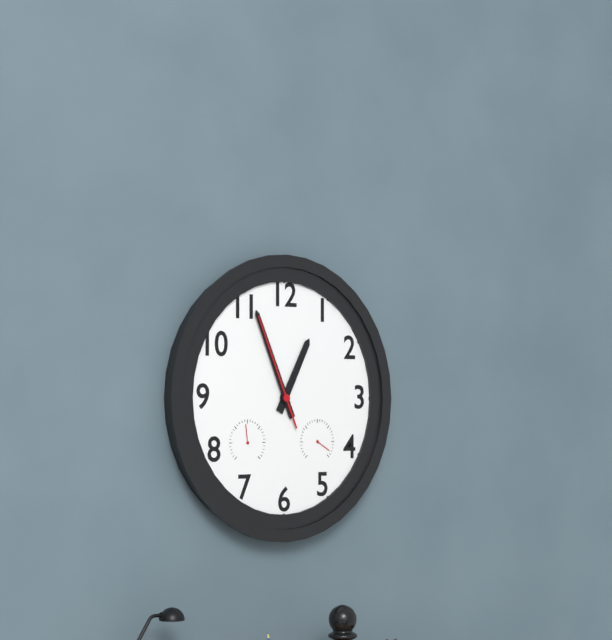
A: 12 h 56 min 56 s
